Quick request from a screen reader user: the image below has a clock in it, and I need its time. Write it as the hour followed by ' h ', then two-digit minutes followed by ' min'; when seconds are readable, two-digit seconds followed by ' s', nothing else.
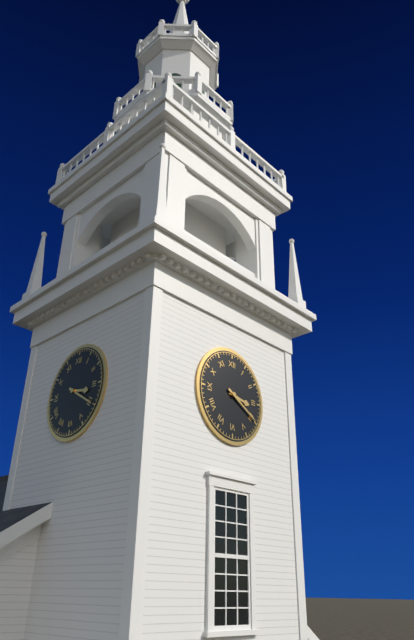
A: 3 h 20 min
